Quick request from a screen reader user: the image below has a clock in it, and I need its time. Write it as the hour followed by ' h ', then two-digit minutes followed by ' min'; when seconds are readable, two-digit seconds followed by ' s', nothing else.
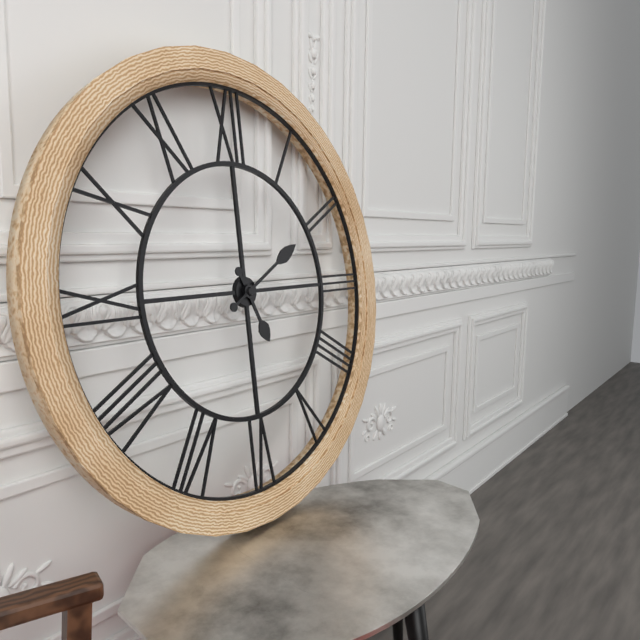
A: 5 h 10 min
